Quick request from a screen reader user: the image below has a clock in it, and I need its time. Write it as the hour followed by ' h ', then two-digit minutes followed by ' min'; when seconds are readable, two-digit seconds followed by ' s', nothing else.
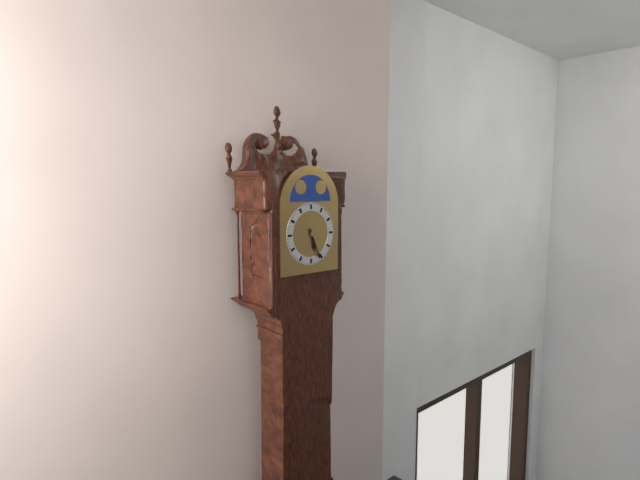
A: 5 h 26 min
